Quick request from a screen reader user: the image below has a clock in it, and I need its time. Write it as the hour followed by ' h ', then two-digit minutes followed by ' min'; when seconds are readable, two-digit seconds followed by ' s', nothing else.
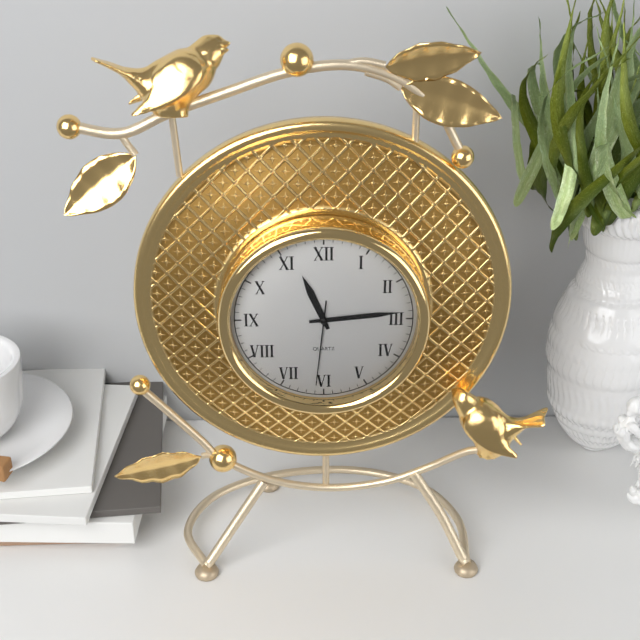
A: 11 h 14 min 31 s
